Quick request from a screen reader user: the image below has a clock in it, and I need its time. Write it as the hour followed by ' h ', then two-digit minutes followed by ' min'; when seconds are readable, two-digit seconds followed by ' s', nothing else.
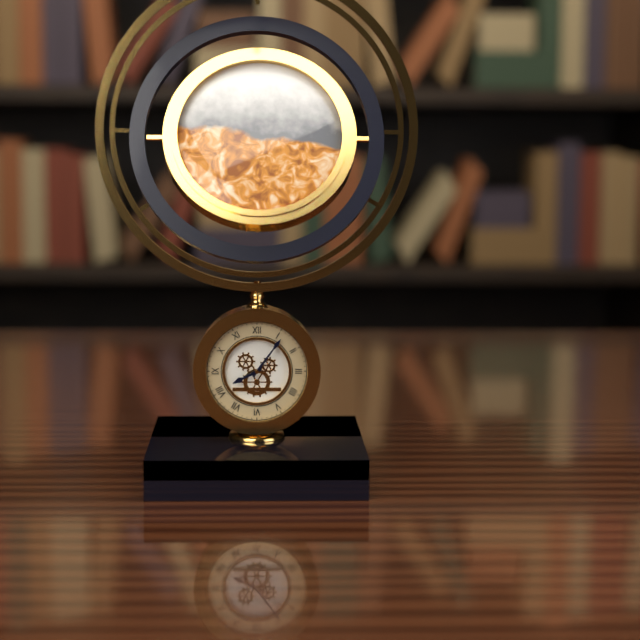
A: 8 h 06 min
